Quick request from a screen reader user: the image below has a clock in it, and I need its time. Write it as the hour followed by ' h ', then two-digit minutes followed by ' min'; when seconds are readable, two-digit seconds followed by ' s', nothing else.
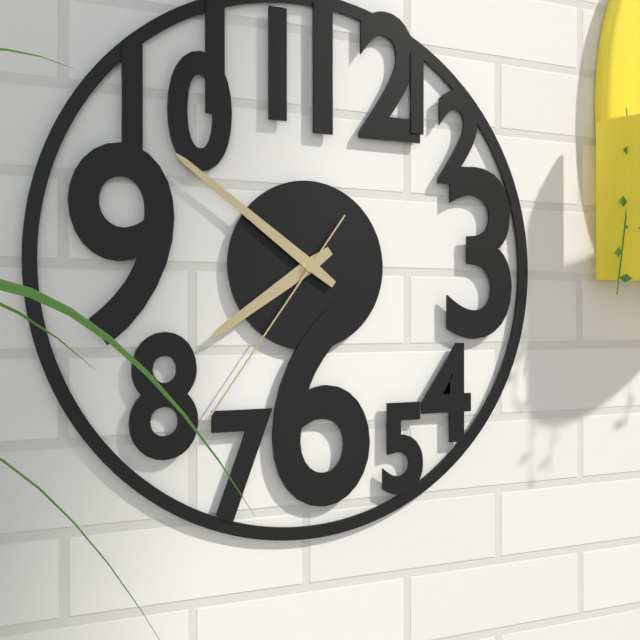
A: 7 h 51 min 36 s
